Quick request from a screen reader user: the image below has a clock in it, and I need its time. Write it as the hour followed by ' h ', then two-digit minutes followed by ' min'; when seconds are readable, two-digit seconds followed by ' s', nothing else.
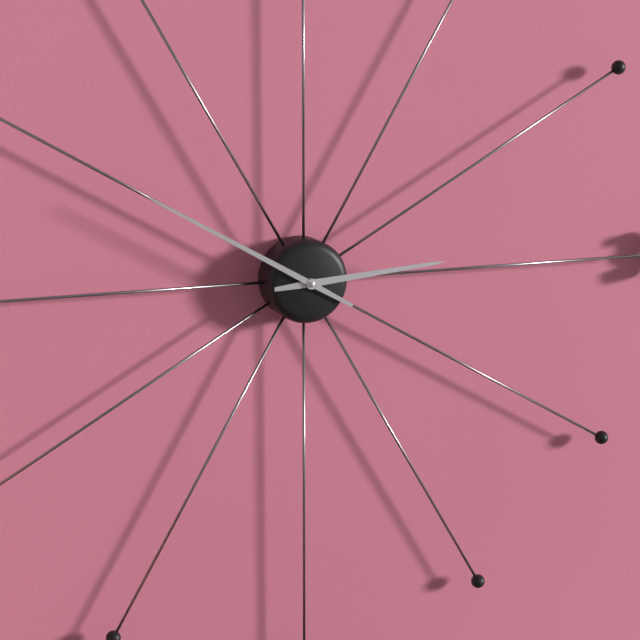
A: 2 h 50 min
